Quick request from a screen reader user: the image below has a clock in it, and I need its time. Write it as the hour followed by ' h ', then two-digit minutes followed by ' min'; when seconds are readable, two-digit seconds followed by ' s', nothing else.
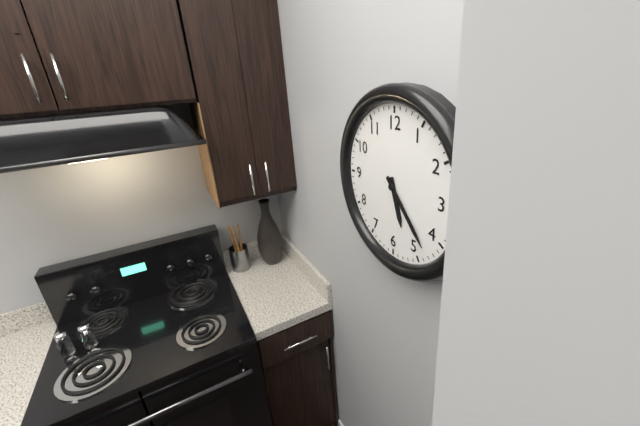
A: 5 h 23 min
